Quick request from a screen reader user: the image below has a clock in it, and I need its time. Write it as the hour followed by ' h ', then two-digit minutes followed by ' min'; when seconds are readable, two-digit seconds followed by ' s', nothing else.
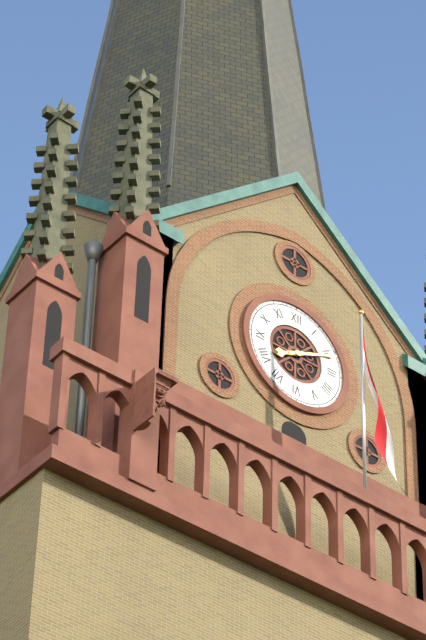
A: 8 h 11 min
